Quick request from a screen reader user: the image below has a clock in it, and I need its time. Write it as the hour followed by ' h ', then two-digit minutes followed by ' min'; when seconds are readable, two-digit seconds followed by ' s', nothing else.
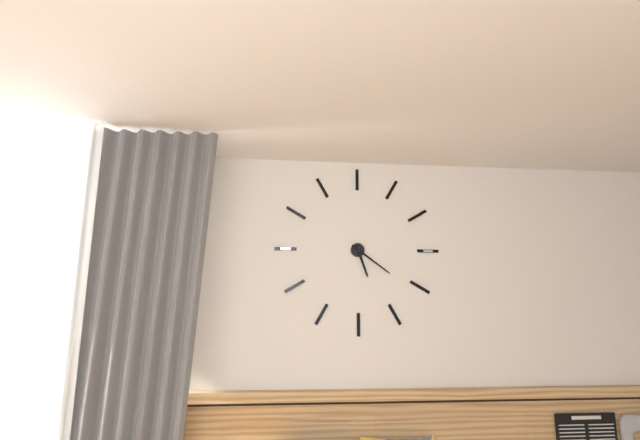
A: 5 h 21 min
